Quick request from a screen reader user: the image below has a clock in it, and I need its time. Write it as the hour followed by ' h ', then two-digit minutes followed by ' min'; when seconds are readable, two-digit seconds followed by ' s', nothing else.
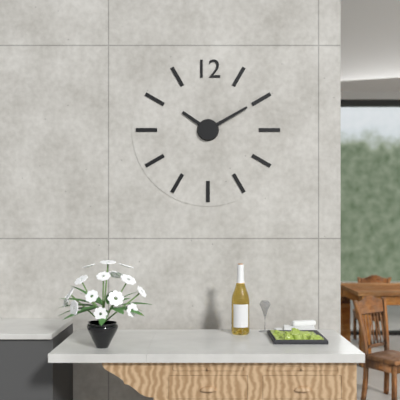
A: 10 h 10 min
